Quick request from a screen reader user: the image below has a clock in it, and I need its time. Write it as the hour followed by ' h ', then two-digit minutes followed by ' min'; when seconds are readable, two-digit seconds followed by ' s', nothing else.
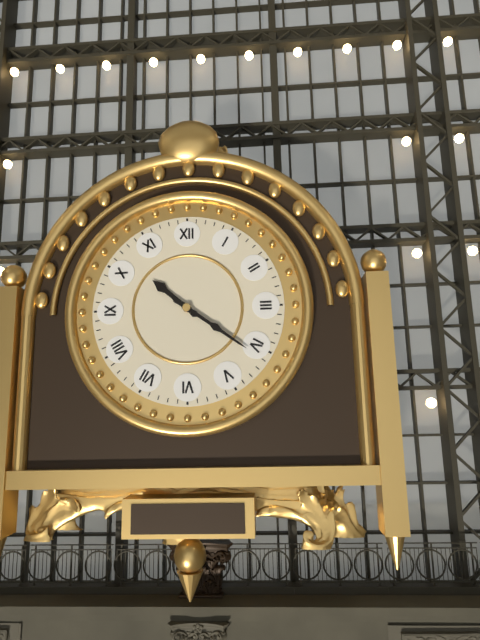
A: 10 h 21 min
